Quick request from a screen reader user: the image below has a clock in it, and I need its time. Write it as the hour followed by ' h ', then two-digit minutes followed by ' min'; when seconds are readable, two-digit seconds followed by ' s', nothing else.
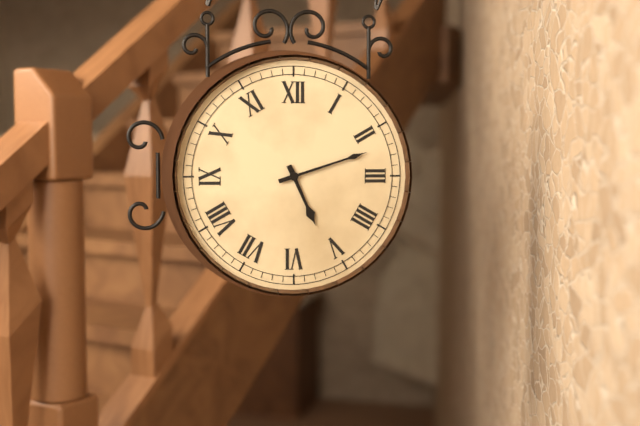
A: 5 h 12 min
